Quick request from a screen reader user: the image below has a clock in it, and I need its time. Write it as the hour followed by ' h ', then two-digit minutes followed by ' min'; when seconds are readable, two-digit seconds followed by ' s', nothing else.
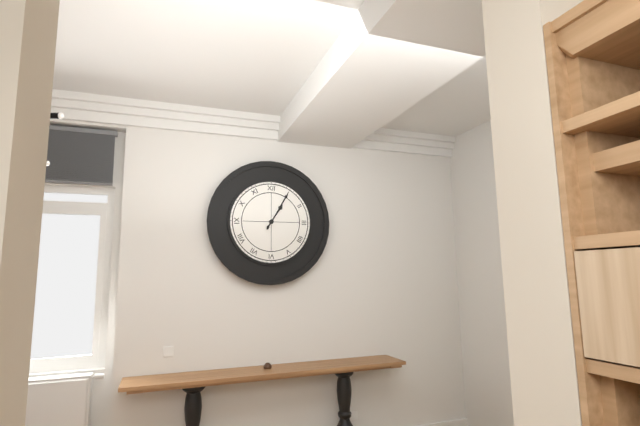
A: 1 h 05 min
